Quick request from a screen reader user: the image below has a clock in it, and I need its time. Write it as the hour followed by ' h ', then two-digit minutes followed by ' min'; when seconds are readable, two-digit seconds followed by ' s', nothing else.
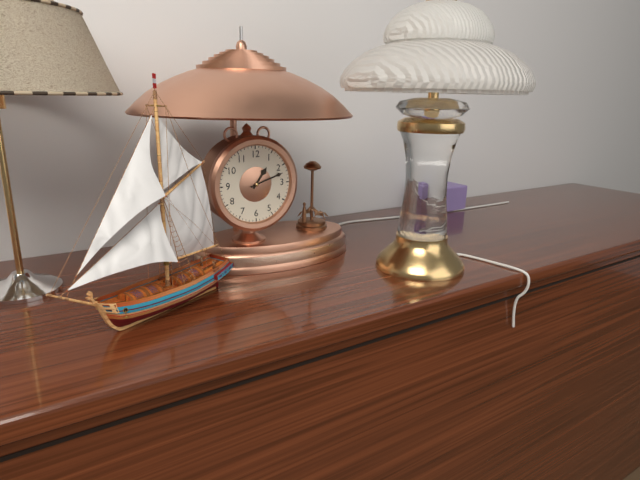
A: 1 h 12 min
